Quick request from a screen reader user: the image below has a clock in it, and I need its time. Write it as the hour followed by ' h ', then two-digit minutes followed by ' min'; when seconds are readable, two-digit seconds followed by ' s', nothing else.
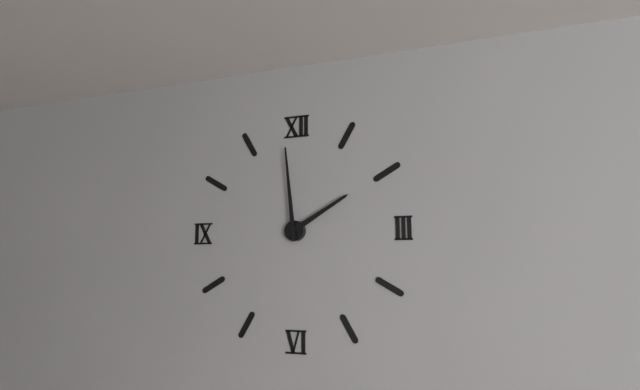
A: 1 h 59 min
